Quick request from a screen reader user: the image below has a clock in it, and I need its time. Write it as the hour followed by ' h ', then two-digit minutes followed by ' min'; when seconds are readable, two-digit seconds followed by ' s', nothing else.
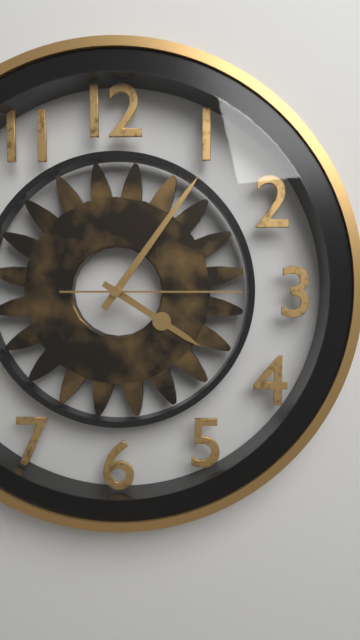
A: 4 h 06 min 15 s
